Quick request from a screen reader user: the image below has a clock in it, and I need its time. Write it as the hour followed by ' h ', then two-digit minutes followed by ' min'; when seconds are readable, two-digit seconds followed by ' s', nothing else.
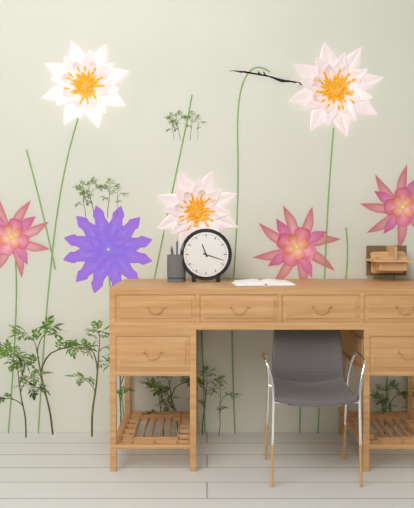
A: 11 h 18 min
